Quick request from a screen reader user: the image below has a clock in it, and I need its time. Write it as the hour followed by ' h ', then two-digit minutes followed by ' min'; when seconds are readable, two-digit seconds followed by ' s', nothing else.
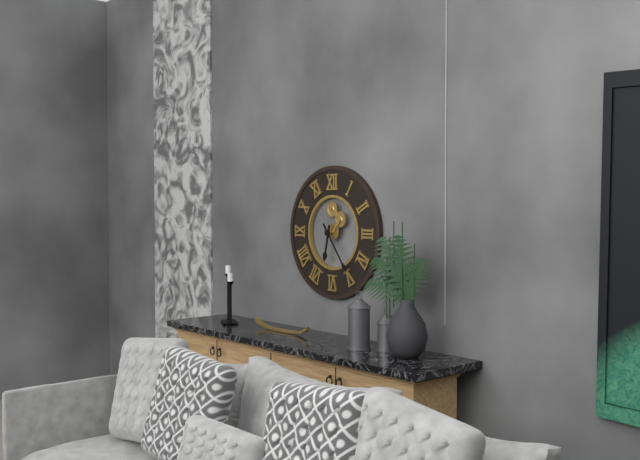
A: 6 h 24 min
